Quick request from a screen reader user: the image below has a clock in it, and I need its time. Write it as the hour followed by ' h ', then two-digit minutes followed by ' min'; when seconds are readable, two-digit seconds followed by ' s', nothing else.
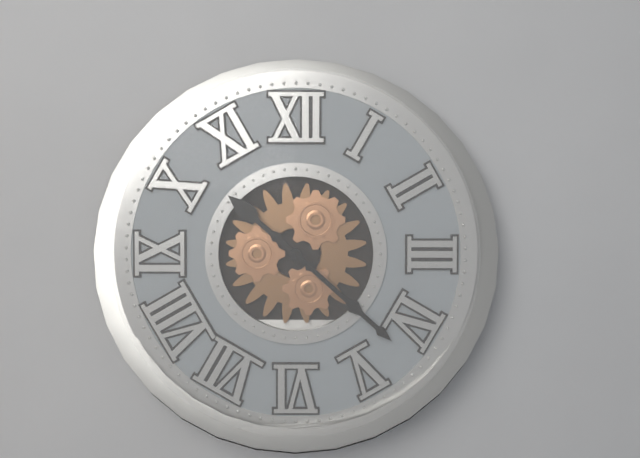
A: 10 h 22 min
